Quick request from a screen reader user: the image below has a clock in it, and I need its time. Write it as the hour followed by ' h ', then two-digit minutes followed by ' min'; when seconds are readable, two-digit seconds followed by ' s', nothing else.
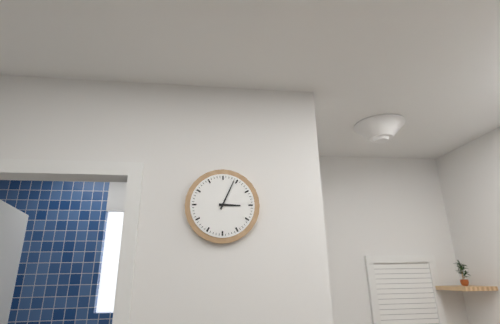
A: 3 h 04 min
